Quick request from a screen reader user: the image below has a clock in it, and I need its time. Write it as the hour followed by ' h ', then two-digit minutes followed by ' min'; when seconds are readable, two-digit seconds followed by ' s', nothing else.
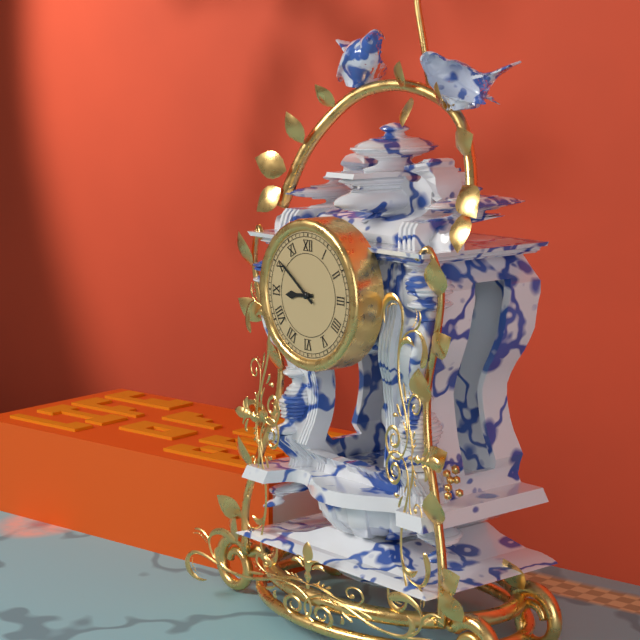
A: 8 h 51 min
